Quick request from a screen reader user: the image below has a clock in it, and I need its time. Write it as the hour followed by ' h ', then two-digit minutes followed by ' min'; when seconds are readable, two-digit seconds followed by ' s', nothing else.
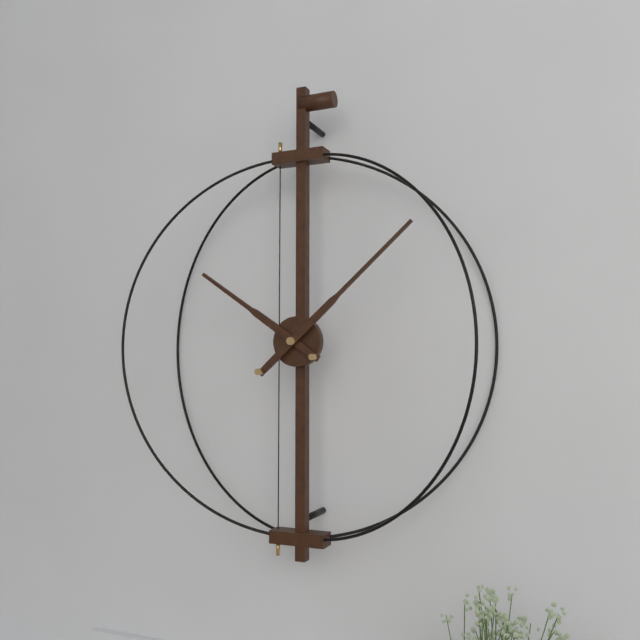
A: 10 h 08 min
